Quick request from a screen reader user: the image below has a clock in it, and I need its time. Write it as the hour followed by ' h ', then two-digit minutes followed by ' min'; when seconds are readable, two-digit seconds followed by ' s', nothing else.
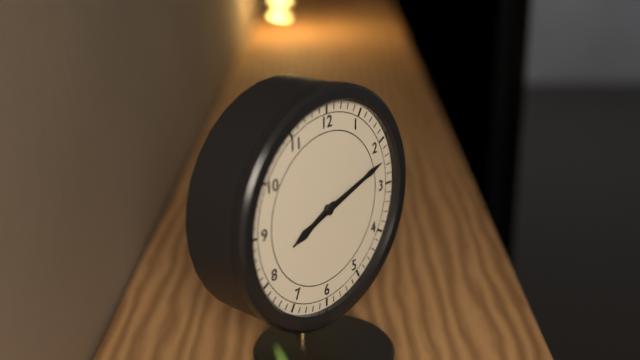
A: 8 h 12 min
